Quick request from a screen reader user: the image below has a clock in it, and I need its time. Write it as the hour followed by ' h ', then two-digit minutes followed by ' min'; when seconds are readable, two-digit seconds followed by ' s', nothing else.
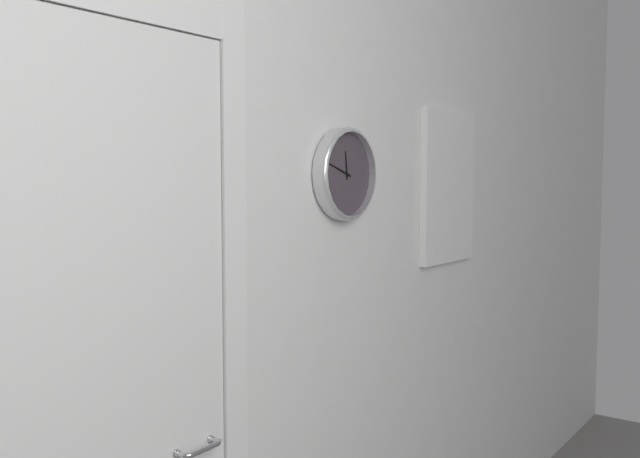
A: 11 h 48 min
